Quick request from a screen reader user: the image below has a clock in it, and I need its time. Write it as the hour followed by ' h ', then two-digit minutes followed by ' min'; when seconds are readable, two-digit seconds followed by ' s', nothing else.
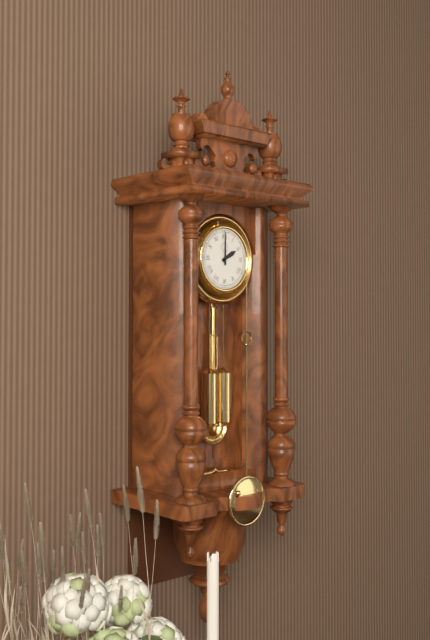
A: 2 h 00 min
